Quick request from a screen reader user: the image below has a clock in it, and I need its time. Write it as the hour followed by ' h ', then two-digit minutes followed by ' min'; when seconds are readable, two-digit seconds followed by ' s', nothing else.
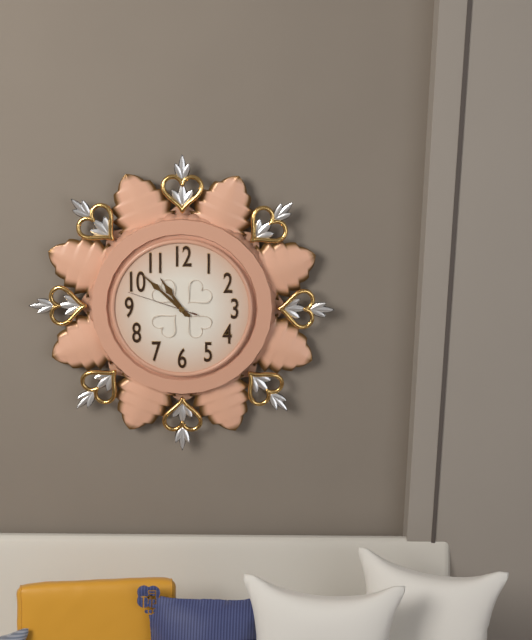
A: 10 h 52 min 48 s
